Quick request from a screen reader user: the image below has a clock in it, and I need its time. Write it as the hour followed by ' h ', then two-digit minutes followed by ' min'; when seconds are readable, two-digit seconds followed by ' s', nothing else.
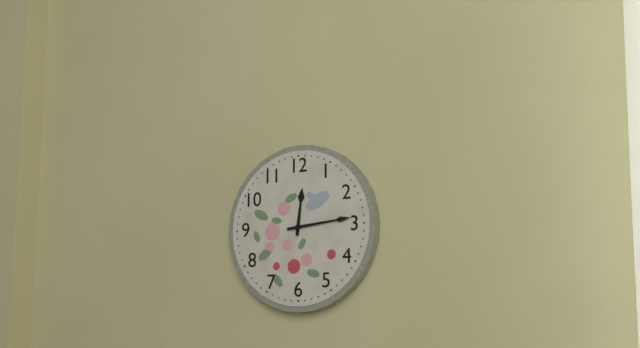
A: 12 h 14 min
